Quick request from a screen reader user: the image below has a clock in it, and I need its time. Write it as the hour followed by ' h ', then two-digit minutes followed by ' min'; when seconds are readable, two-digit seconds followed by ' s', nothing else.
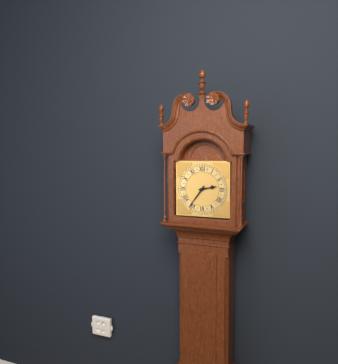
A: 2 h 36 min
